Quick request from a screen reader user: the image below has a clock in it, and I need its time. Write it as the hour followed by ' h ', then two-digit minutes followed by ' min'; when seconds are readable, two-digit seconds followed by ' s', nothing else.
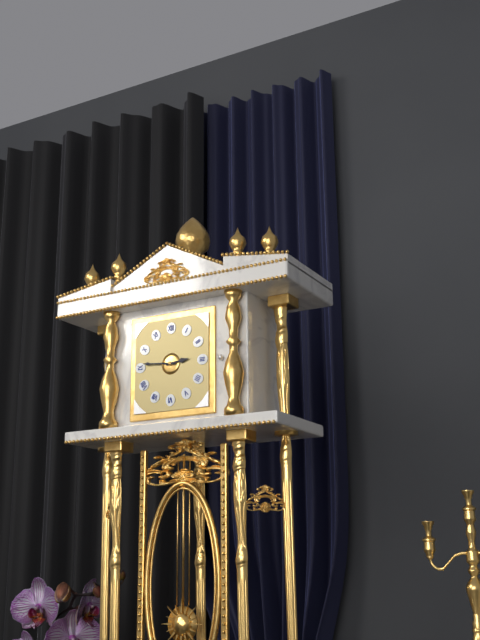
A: 2 h 46 min
